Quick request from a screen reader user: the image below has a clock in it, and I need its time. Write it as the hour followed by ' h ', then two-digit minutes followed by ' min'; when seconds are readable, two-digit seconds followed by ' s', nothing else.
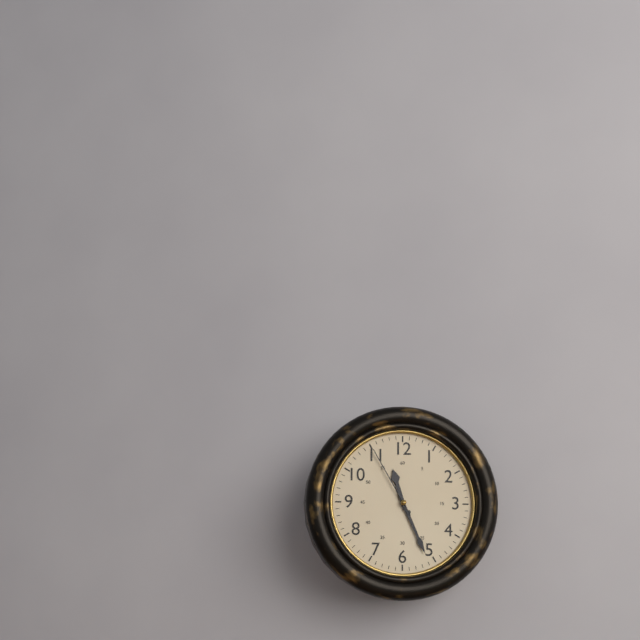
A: 11 h 26 min 55 s
